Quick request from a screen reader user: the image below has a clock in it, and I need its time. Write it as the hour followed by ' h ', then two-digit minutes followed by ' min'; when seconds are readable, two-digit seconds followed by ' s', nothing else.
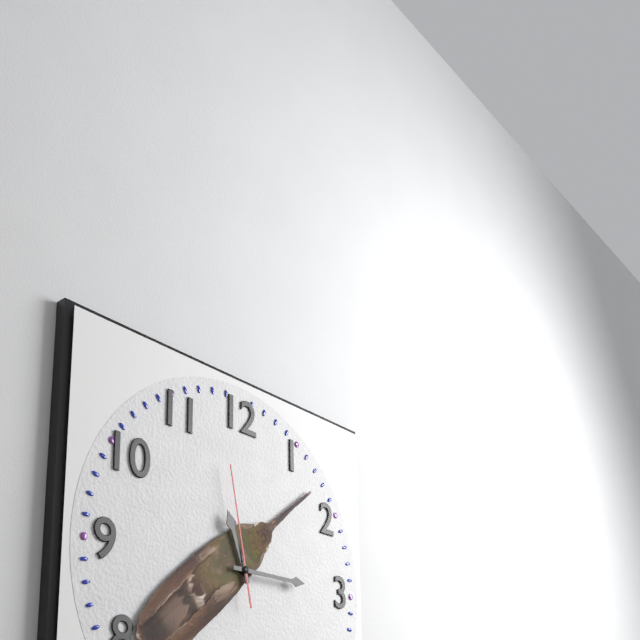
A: 11 h 15 min 58 s
